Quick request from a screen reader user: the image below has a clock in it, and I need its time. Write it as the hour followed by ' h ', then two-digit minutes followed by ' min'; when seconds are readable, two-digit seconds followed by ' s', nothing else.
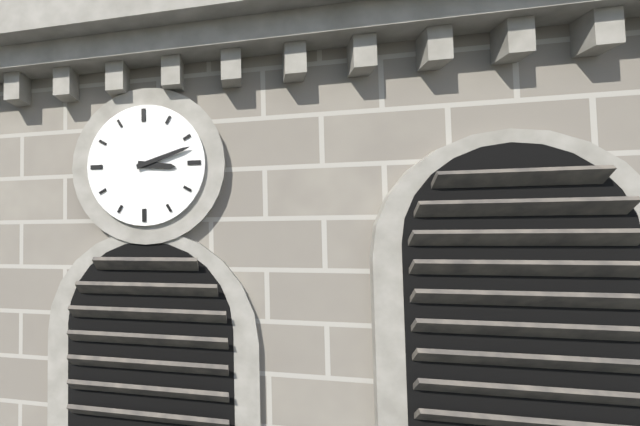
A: 3 h 12 min
